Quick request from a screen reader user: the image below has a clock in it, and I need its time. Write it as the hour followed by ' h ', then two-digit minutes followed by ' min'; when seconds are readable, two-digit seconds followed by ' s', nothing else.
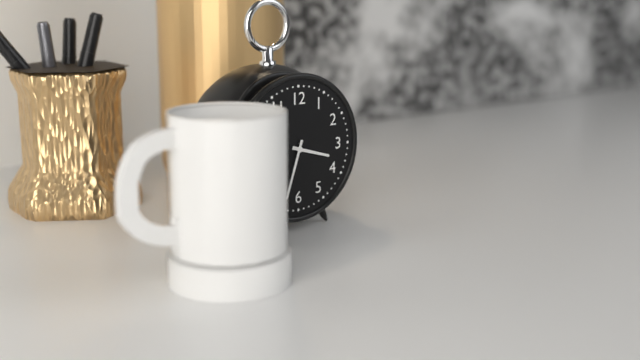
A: 3 h 33 min
